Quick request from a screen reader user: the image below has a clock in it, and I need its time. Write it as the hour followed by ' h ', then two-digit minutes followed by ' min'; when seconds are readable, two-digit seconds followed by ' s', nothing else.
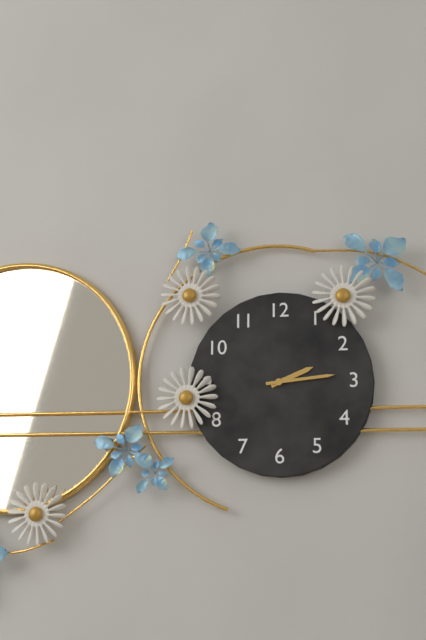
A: 2 h 14 min
